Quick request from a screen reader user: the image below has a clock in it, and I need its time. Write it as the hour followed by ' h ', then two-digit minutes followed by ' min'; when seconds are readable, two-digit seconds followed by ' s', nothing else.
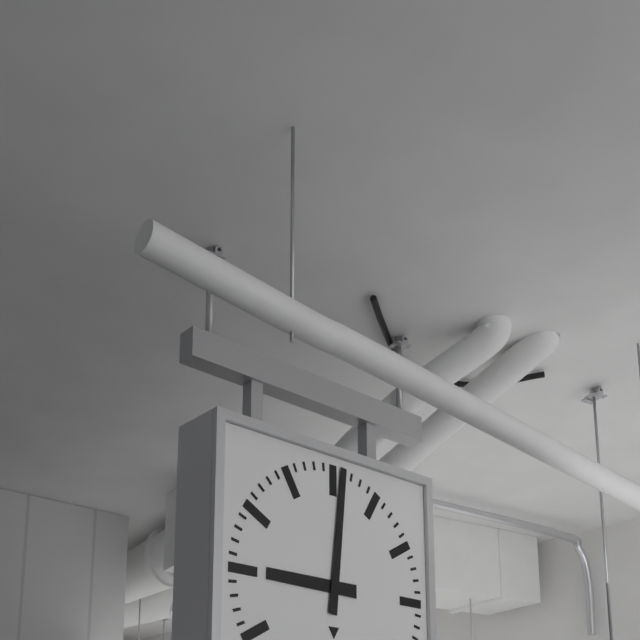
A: 9 h 01 min
